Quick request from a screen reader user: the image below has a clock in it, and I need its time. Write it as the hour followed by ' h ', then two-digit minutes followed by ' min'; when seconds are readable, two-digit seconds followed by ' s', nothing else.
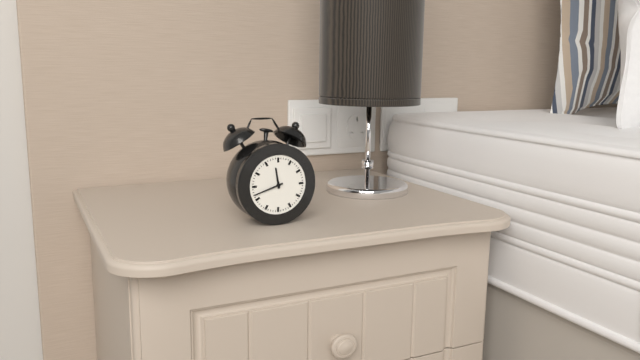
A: 11 h 42 min
